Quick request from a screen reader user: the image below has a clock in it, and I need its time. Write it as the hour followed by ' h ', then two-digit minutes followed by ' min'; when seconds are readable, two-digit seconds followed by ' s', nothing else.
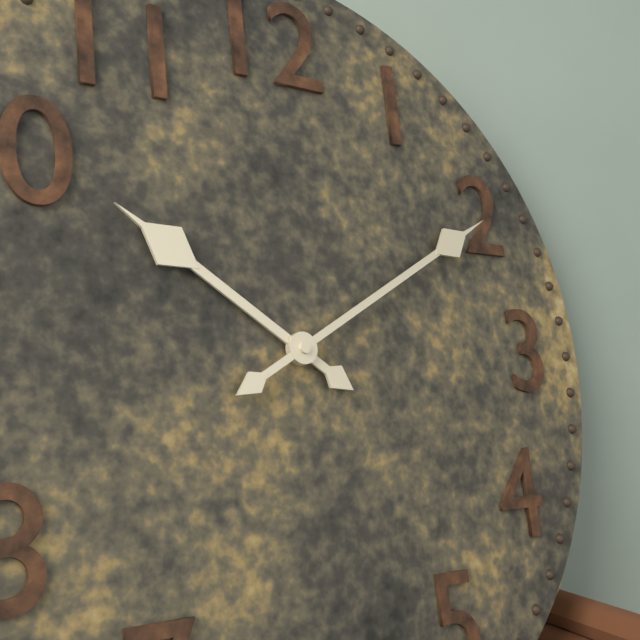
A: 10 h 10 min
